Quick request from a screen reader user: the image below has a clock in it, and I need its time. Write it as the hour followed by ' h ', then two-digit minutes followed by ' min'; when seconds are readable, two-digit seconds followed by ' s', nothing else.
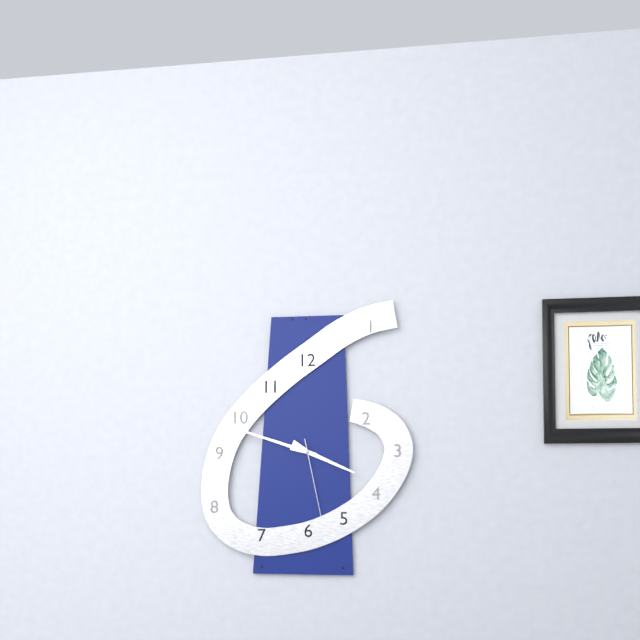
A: 3 h 48 min 28 s
